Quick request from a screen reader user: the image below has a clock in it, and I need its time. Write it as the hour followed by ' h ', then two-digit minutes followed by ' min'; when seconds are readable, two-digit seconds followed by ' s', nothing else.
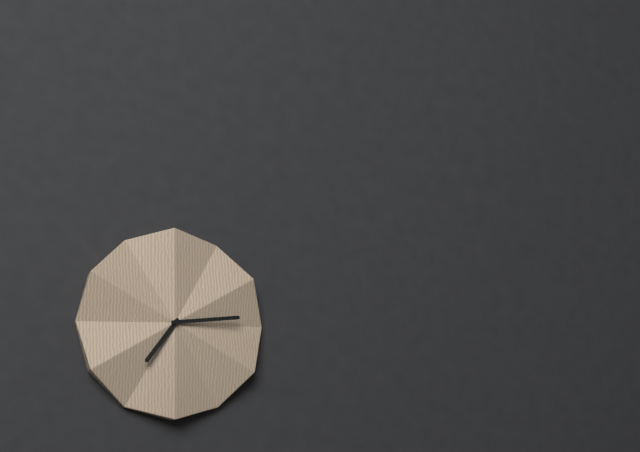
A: 7 h 14 min
